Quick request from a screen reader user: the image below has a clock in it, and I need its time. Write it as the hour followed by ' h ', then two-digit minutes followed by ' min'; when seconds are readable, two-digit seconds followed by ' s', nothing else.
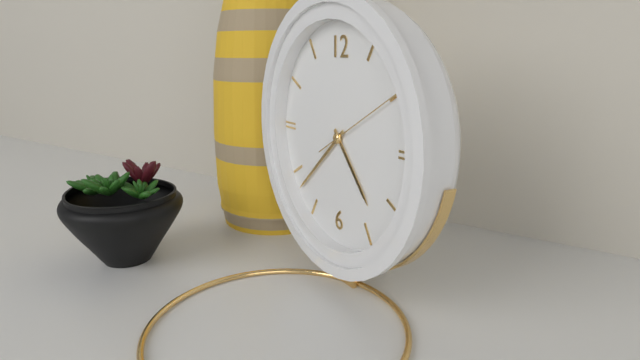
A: 4 h 38 min 10 s
